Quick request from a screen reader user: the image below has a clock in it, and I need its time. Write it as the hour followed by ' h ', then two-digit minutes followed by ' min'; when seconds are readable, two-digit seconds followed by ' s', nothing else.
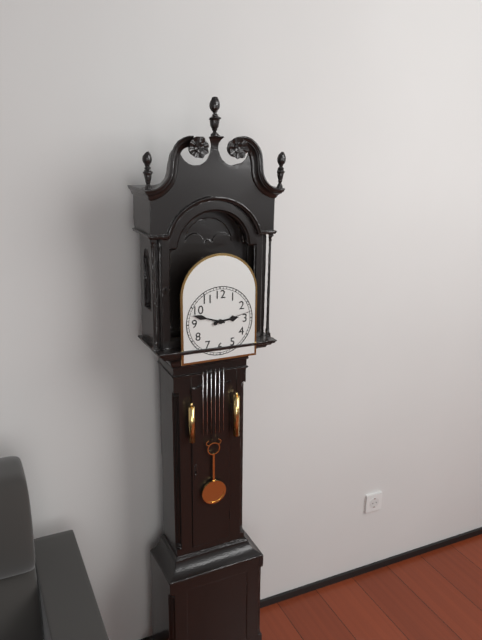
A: 2 h 48 min
